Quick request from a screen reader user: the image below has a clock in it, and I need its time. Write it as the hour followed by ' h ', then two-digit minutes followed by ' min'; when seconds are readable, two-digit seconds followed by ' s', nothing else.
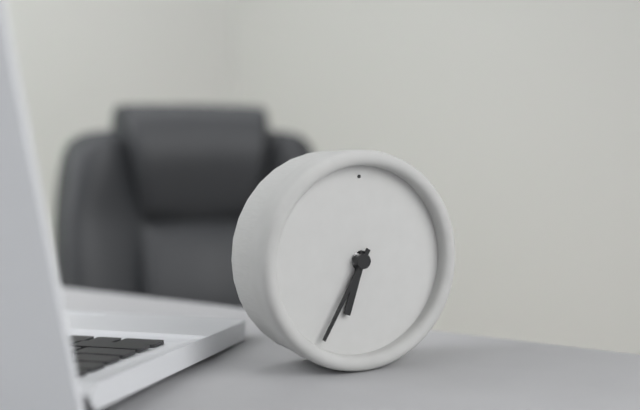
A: 6 h 35 min
